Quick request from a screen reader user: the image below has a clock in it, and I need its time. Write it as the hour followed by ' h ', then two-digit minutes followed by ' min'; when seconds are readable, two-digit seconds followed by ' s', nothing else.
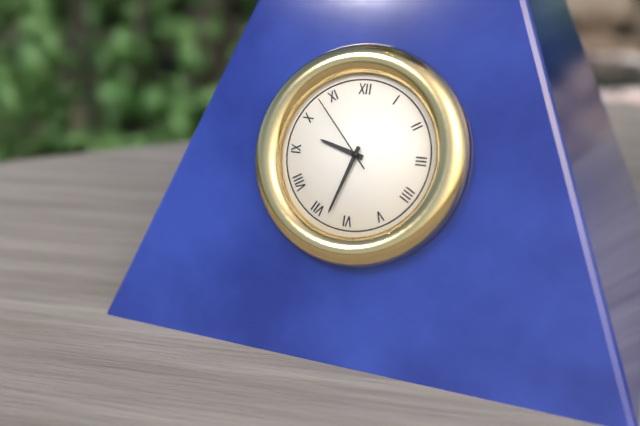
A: 9 h 33 min 53 s
